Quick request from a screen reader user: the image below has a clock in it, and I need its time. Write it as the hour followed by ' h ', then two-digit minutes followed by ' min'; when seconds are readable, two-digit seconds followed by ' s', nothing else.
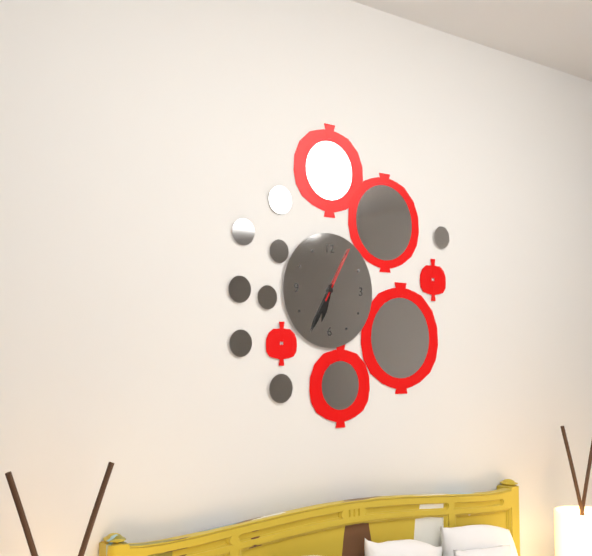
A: 6 h 35 min 05 s
